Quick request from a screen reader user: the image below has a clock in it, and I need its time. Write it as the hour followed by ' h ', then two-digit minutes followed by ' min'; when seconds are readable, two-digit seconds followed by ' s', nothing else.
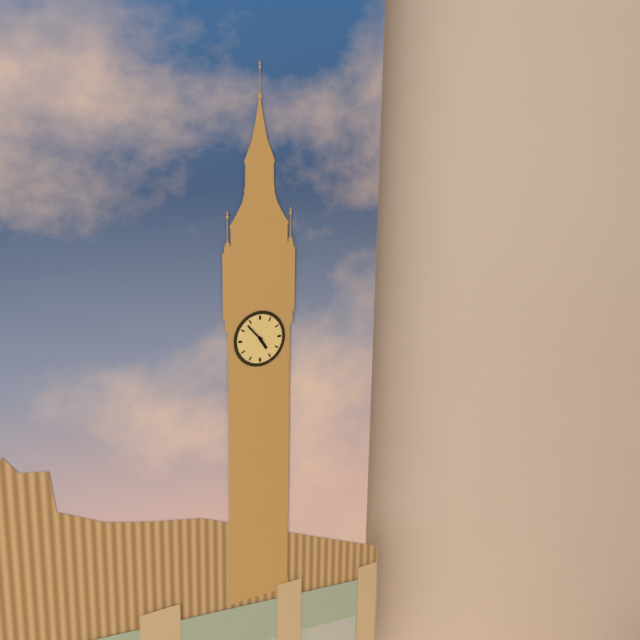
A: 4 h 53 min
